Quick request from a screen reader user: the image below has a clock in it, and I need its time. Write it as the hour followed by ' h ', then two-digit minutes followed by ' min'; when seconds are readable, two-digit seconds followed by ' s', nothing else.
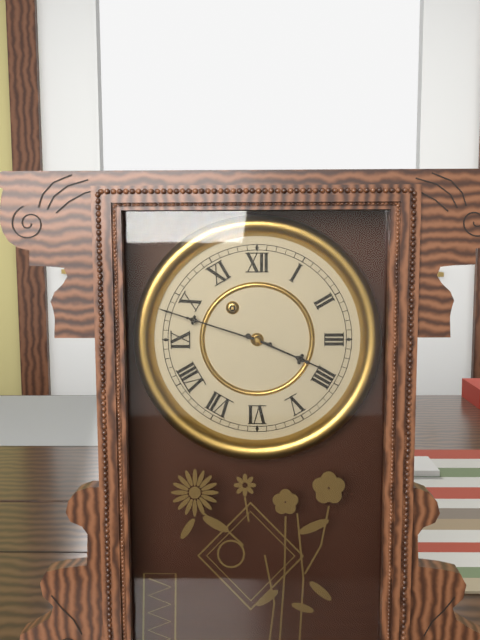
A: 3 h 48 min
